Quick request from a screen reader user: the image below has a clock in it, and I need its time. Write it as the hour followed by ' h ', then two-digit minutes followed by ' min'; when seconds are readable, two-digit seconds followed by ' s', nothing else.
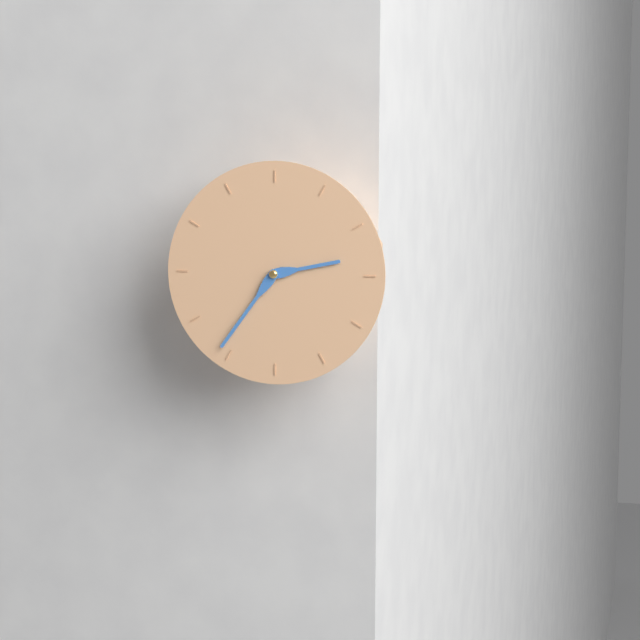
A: 2 h 36 min
